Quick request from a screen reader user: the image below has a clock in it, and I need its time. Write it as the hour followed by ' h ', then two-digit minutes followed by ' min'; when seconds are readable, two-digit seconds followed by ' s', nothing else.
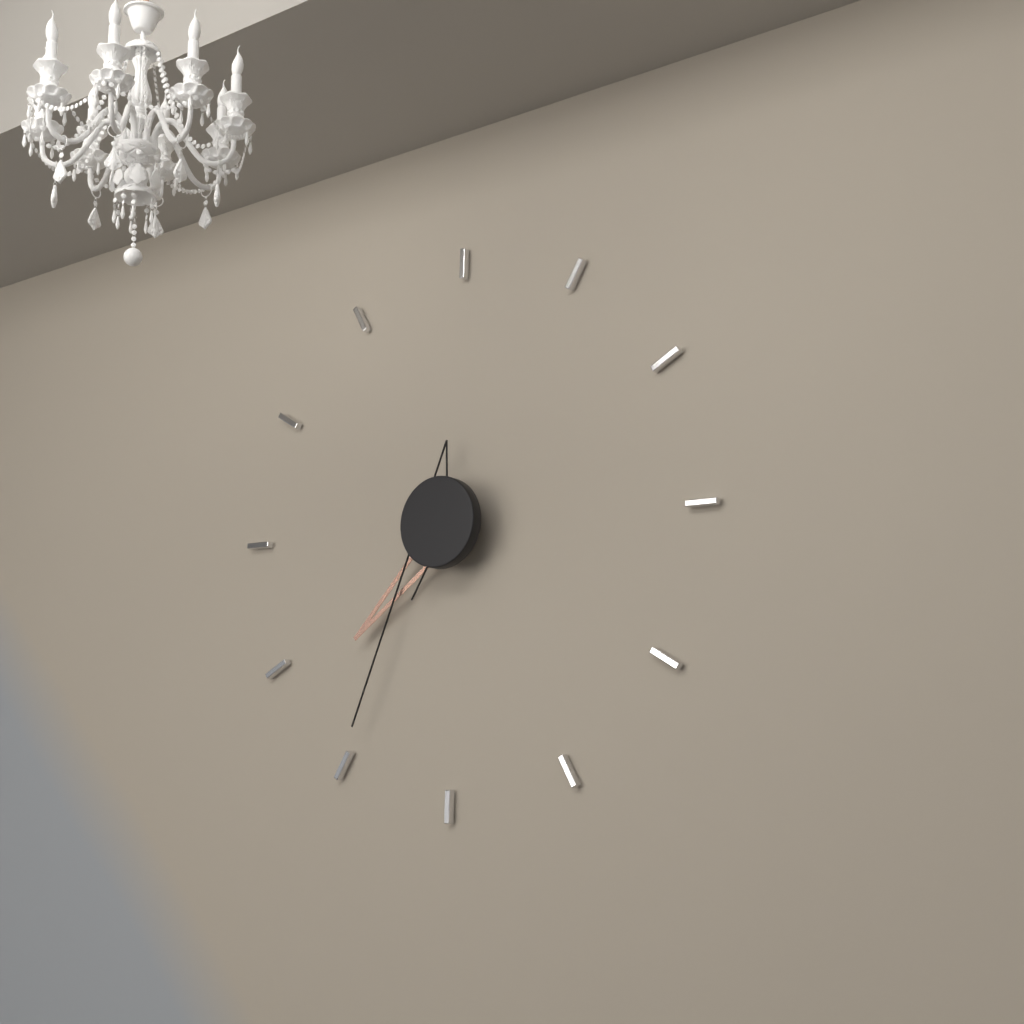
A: 7 h 35 min
